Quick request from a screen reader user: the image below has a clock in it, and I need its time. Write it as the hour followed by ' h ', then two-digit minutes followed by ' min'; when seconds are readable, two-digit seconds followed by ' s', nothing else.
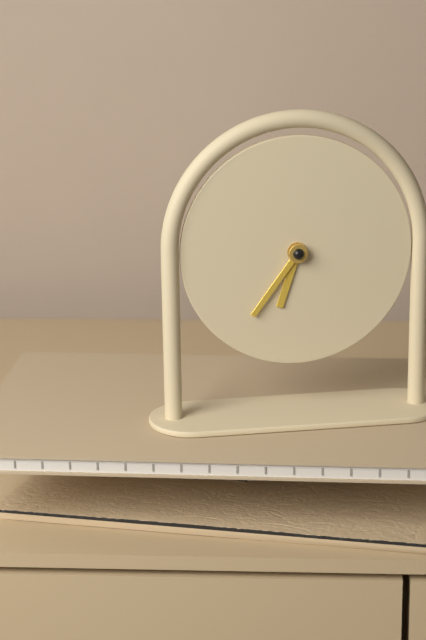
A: 6 h 36 min
